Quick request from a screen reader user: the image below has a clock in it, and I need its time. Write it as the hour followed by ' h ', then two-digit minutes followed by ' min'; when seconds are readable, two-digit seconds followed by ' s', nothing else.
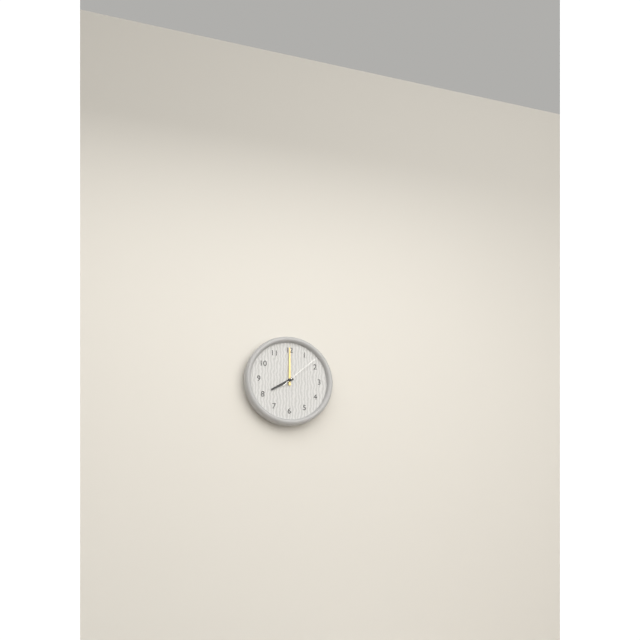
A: 8 h 00 min
